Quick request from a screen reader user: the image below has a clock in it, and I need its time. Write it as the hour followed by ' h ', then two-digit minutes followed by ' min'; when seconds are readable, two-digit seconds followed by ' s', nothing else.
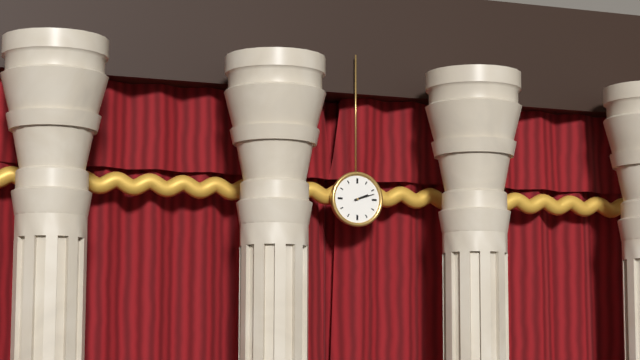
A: 2 h 12 min
